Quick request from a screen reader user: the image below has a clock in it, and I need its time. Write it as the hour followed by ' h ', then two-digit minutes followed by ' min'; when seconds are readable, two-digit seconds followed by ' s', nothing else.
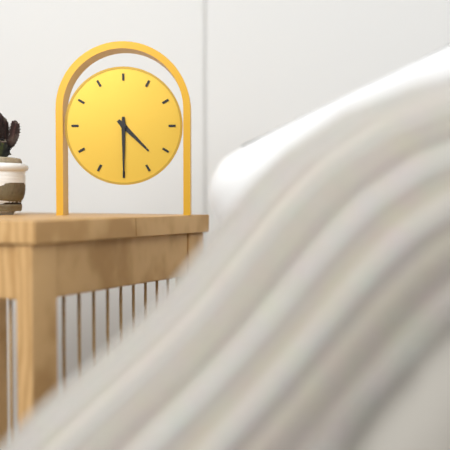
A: 4 h 30 min
